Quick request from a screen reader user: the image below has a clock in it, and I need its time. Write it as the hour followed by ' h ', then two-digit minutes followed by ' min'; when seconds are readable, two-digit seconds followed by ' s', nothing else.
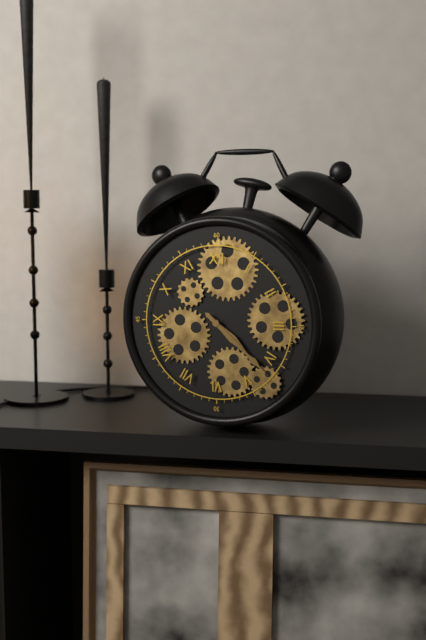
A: 4 h 22 min
